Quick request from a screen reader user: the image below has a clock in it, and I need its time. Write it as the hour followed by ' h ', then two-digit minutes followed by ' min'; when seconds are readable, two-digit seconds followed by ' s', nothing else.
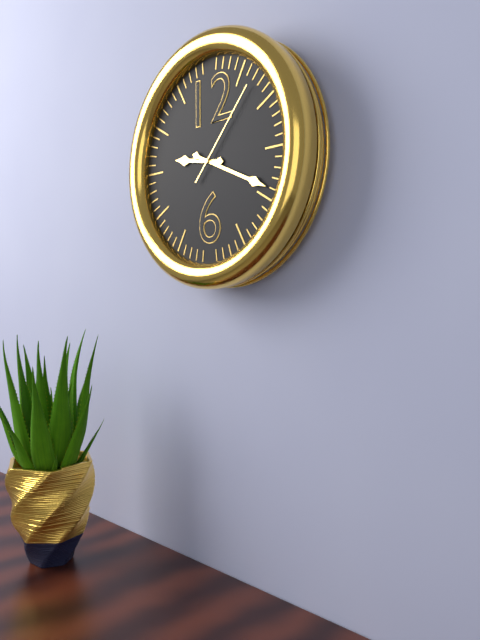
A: 9 h 19 min 07 s
